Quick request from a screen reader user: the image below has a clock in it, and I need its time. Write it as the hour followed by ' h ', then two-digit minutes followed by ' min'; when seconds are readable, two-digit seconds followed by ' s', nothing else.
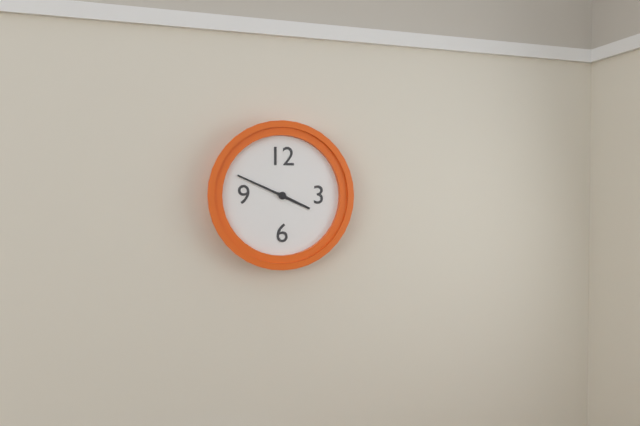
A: 3 h 49 min
